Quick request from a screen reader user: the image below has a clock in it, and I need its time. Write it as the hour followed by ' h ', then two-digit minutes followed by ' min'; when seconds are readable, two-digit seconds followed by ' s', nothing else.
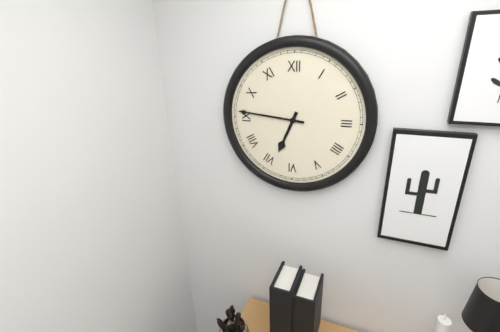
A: 6 h 46 min
